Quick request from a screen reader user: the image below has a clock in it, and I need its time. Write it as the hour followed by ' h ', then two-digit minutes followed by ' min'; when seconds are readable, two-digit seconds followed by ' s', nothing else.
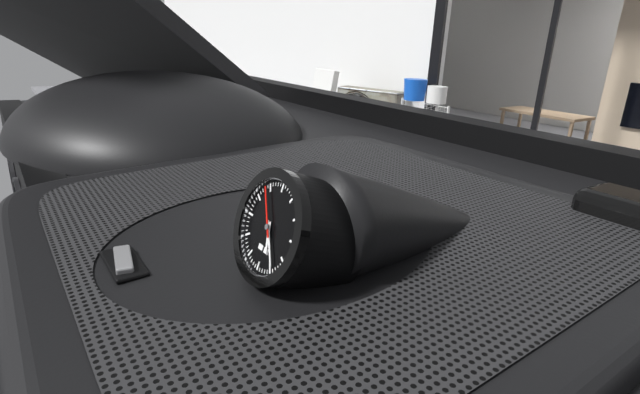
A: 5 h 24 min 54 s
